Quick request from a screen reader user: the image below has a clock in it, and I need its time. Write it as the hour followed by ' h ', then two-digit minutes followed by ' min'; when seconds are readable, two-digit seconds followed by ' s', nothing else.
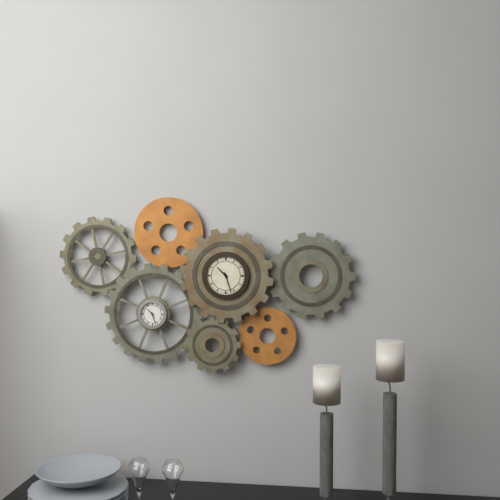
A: 10 h 27 min
